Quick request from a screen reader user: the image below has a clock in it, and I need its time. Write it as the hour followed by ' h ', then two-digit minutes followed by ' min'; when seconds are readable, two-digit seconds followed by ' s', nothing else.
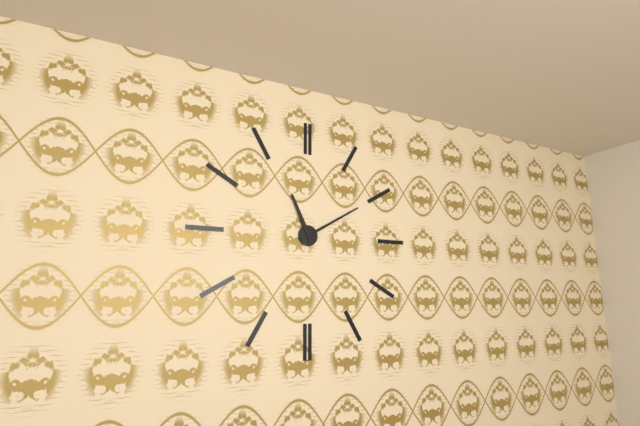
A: 11 h 10 min
